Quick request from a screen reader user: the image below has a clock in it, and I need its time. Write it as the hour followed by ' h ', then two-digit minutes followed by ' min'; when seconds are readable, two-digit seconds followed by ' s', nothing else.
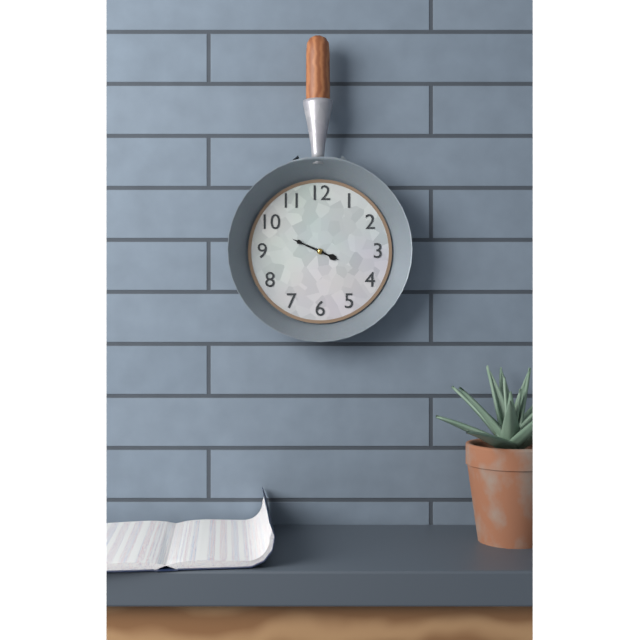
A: 3 h 49 min
